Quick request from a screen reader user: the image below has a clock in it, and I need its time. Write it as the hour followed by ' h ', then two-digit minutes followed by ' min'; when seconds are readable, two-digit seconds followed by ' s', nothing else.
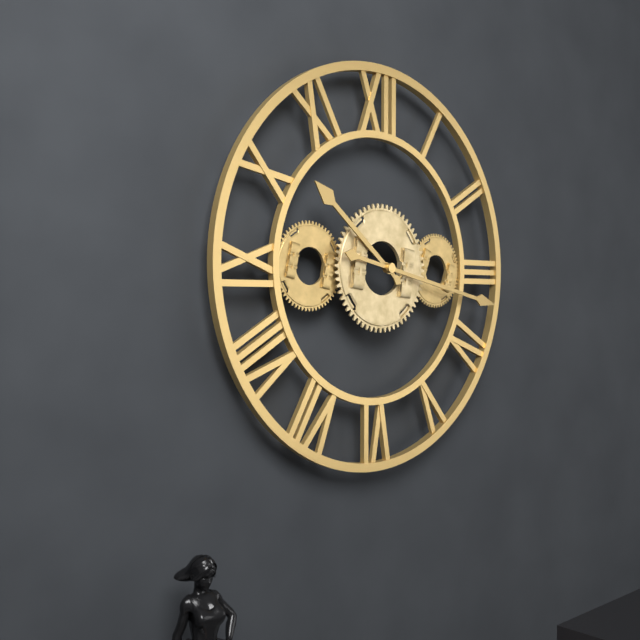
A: 10 h 17 min
